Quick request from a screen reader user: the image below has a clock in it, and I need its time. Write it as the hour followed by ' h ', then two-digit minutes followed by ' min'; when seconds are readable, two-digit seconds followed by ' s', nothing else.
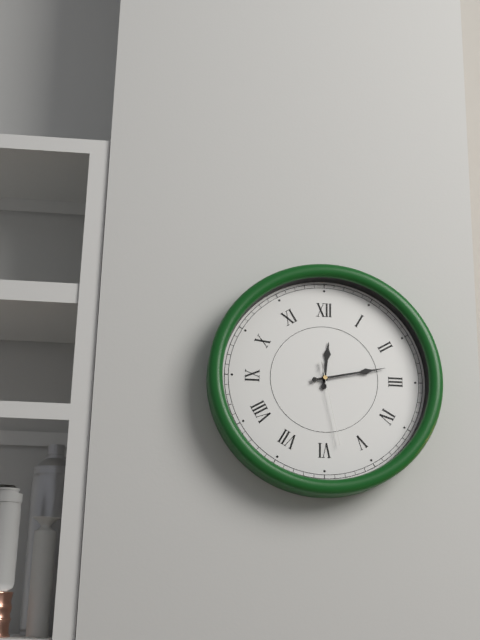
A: 12 h 13 min 28 s
